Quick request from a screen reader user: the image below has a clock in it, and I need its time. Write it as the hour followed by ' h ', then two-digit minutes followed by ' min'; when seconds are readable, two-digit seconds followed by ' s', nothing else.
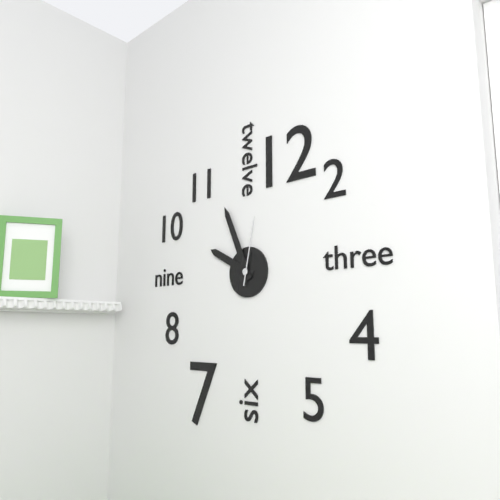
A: 9 h 56 min 02 s
